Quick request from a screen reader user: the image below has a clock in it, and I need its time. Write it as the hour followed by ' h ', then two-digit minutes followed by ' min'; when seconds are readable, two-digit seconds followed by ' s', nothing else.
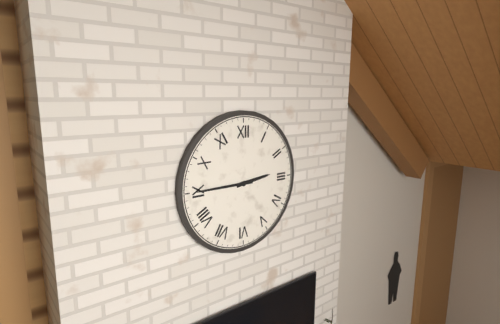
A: 2 h 45 min
